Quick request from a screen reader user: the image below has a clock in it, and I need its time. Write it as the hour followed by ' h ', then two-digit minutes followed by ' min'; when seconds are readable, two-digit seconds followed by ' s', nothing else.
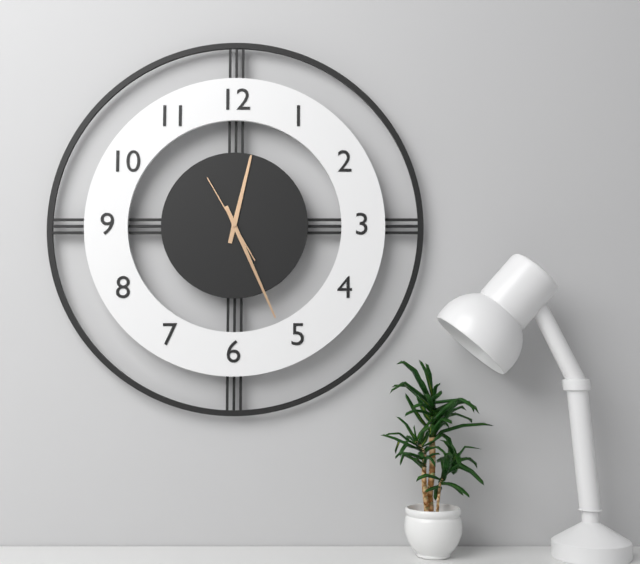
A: 12 h 26 min 55 s
